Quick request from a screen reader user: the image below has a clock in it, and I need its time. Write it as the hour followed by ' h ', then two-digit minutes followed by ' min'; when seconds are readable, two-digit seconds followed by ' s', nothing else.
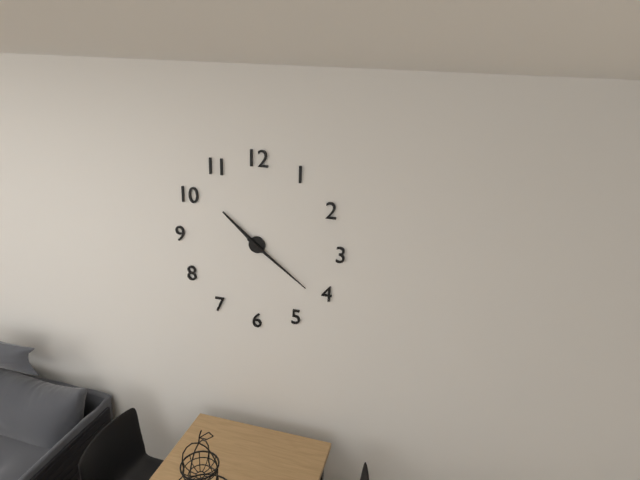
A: 10 h 21 min
